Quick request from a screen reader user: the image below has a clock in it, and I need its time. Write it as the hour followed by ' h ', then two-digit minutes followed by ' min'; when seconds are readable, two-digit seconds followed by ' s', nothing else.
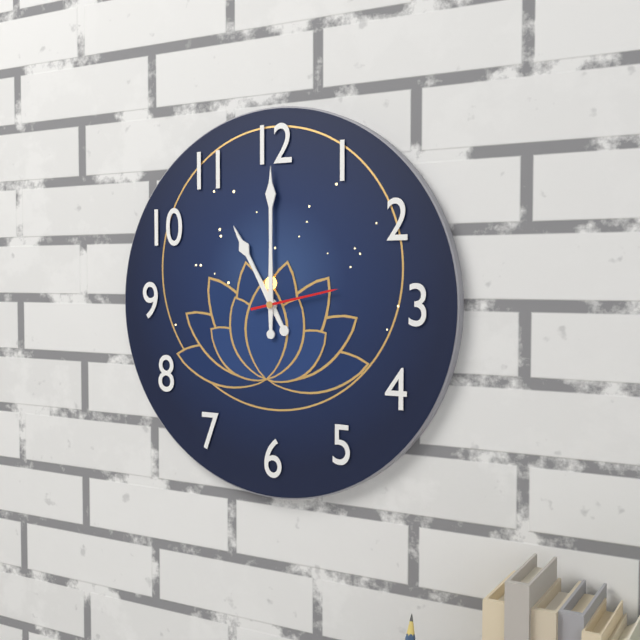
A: 11 h 00 min 13 s
